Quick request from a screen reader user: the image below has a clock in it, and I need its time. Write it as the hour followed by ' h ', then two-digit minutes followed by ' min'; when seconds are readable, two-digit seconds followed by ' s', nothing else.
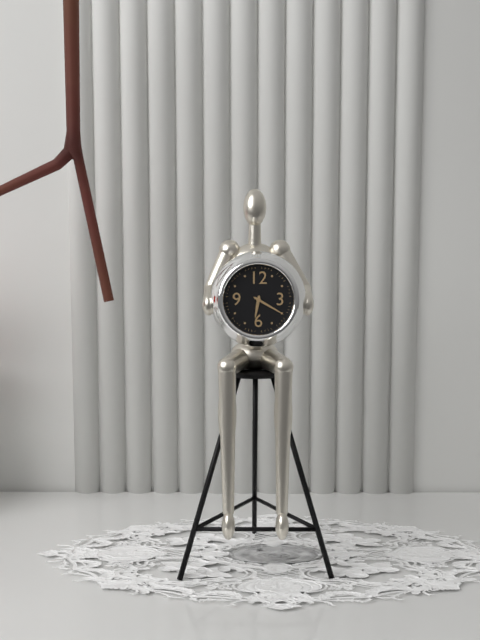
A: 6 h 20 min
